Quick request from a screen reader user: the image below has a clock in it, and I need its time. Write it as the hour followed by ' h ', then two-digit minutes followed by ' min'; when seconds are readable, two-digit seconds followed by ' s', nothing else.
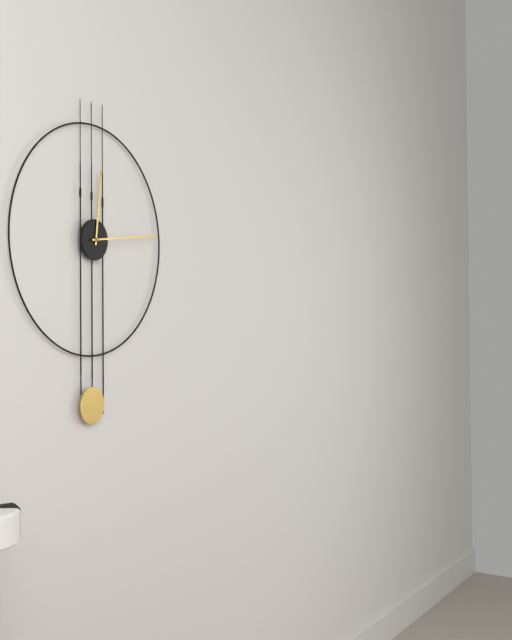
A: 12 h 14 min
